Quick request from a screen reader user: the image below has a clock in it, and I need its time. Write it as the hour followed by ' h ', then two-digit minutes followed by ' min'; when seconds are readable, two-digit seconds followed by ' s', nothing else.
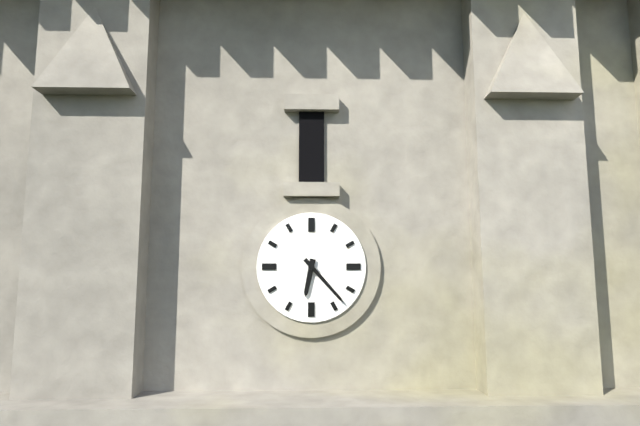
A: 6 h 23 min
